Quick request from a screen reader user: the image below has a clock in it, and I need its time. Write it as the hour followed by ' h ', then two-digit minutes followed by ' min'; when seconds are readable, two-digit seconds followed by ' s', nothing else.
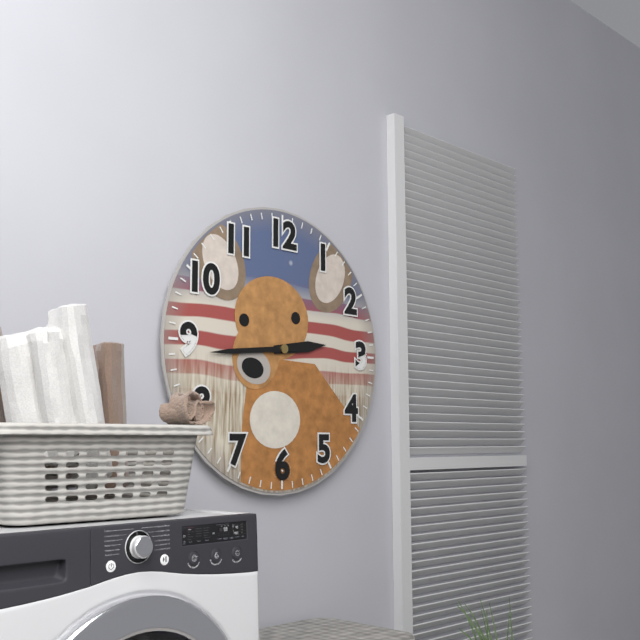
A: 2 h 44 min
